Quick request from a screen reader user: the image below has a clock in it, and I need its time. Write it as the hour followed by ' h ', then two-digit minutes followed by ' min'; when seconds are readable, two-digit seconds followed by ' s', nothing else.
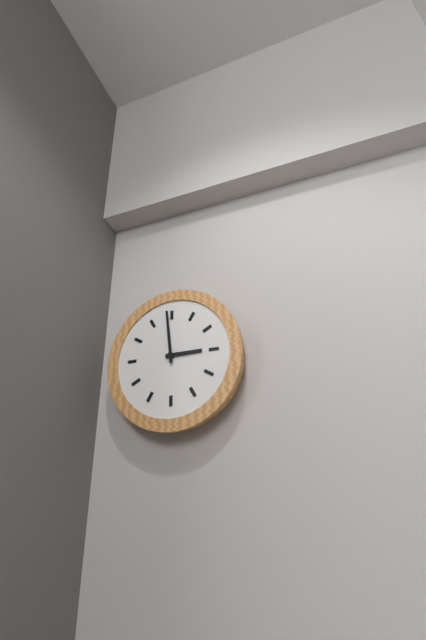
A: 2 h 59 min
